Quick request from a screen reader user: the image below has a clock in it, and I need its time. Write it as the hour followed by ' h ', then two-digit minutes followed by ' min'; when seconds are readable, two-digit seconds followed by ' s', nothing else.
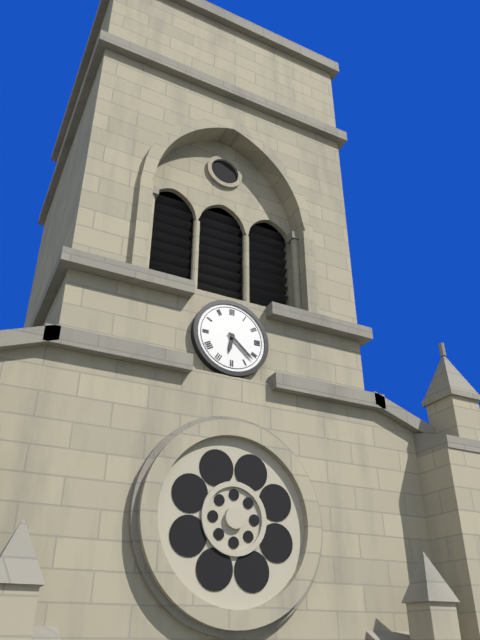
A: 6 h 22 min
